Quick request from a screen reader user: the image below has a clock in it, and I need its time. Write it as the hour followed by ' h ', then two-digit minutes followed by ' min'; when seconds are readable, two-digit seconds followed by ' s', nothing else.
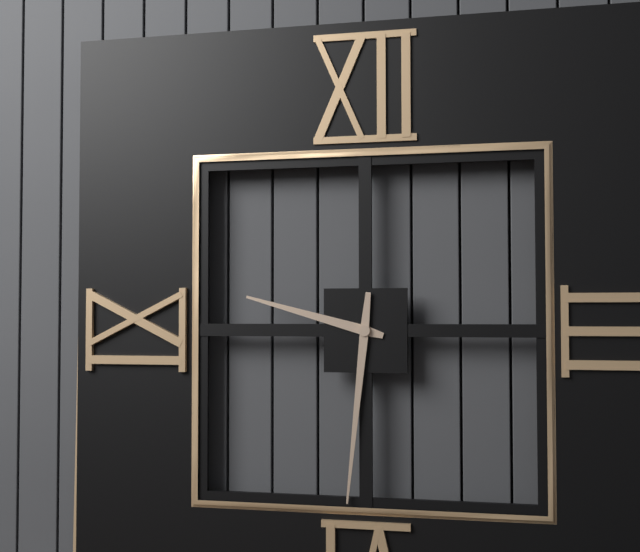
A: 9 h 31 min
